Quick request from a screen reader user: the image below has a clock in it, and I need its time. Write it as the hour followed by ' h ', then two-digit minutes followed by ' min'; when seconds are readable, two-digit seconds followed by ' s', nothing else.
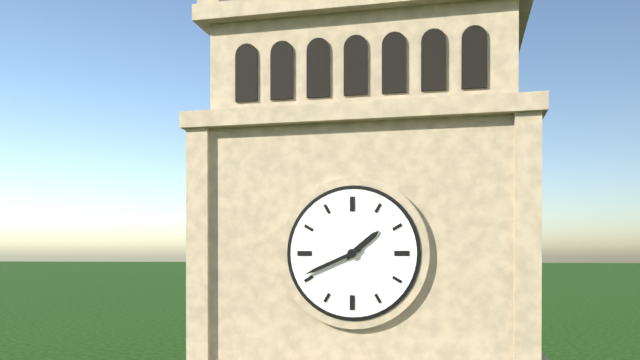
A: 1 h 41 min
